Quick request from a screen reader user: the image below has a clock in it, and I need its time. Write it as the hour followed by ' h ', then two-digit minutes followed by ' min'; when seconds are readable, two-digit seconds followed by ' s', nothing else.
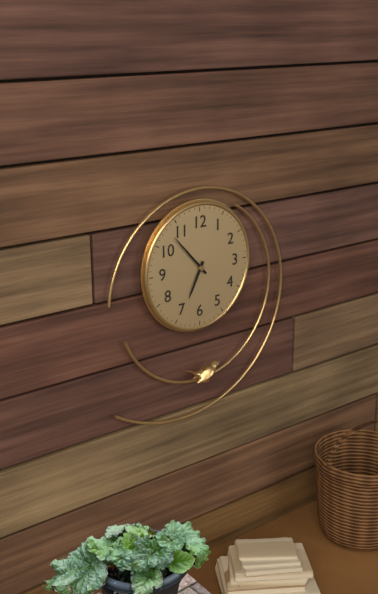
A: 6 h 53 min
